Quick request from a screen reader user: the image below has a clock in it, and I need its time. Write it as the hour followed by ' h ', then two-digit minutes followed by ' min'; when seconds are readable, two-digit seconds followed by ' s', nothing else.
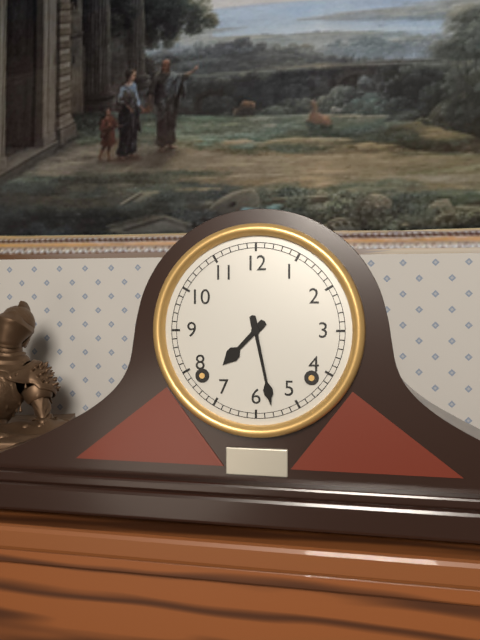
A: 7 h 28 min
